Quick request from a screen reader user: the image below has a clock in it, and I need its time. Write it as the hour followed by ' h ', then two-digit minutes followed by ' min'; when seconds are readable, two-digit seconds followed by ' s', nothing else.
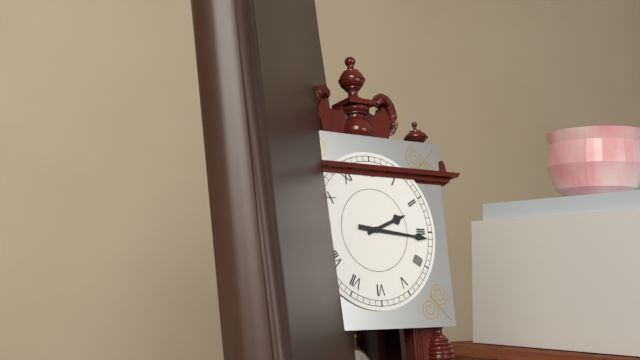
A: 2 h 16 min
